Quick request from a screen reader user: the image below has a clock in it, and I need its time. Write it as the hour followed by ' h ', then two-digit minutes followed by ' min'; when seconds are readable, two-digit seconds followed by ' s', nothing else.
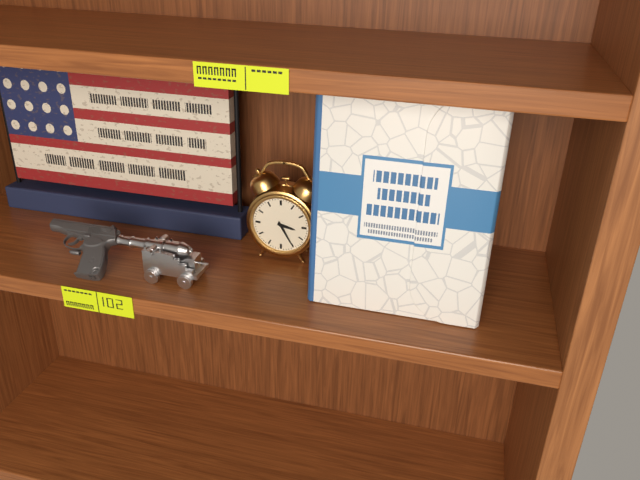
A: 3 h 25 min
